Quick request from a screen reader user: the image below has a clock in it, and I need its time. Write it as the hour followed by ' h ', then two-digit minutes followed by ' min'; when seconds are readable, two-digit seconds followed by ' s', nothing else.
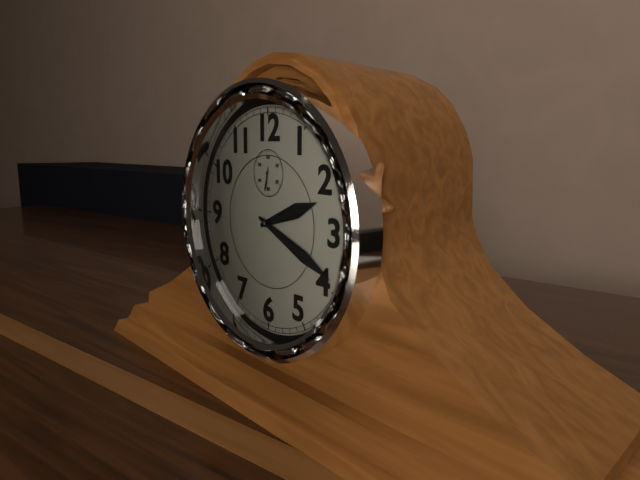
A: 2 h 19 min
